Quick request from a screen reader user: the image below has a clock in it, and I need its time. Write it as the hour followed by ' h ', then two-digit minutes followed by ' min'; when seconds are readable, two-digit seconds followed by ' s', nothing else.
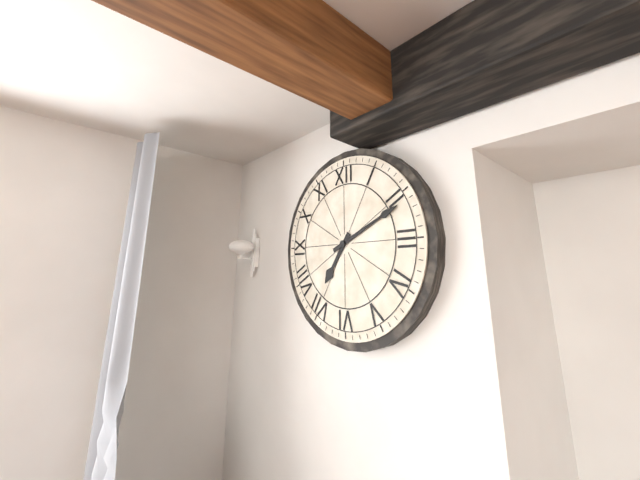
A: 7 h 11 min
